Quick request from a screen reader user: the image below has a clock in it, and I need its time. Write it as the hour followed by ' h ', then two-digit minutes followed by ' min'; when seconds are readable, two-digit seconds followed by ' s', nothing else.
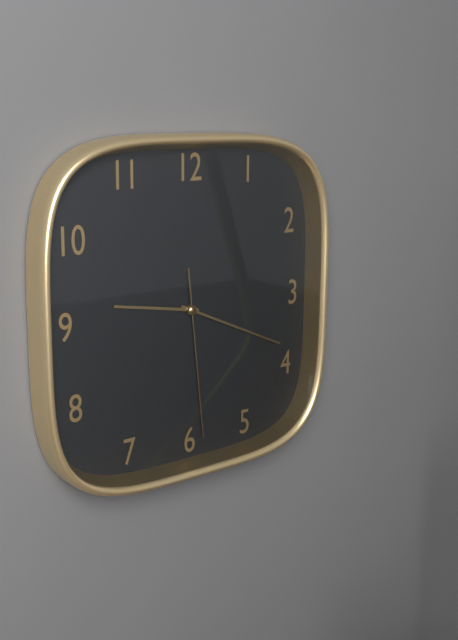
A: 9 h 19 min 29 s
